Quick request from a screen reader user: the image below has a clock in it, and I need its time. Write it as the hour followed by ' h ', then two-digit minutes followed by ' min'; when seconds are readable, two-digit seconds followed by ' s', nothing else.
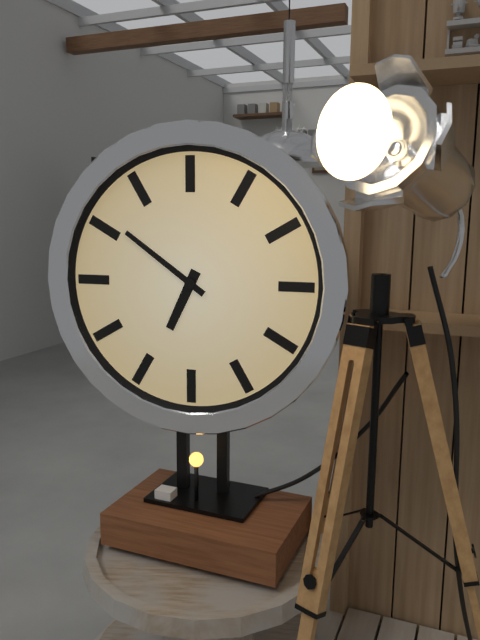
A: 6 h 51 min
